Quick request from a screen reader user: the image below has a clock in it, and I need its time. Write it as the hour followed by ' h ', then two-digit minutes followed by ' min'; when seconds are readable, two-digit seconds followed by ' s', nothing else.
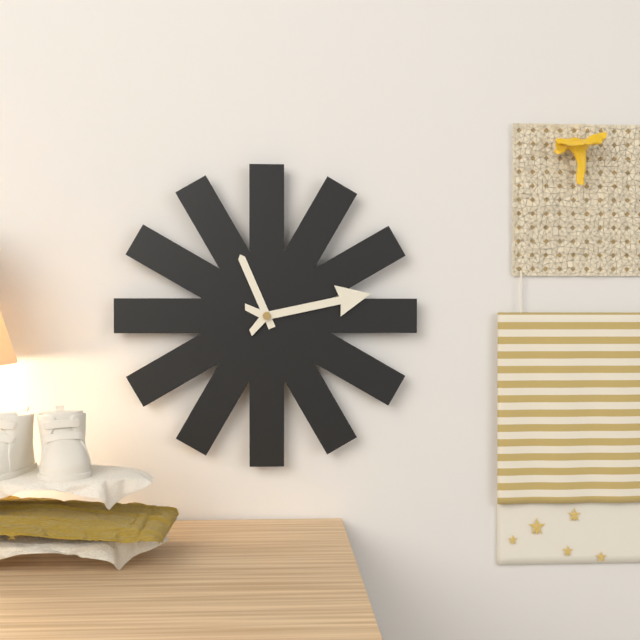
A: 11 h 13 min
